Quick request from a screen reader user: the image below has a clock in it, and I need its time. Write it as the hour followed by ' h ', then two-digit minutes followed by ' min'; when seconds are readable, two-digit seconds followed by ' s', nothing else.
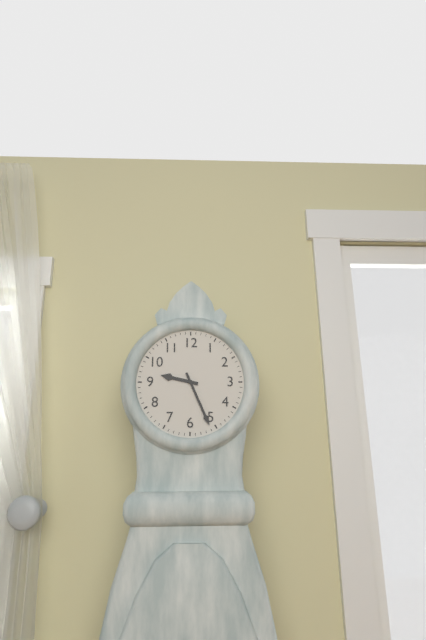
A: 9 h 26 min
